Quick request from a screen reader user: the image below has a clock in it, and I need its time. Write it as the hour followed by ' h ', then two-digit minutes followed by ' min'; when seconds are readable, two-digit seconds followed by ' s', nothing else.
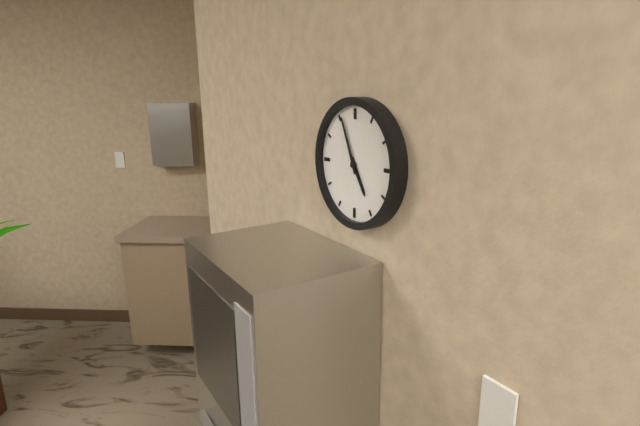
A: 4 h 56 min
